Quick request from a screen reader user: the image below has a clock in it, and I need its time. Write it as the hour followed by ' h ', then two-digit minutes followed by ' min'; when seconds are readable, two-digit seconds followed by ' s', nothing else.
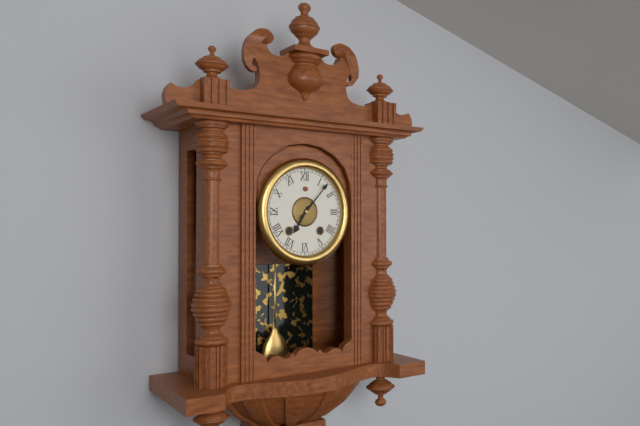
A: 7 h 07 min
